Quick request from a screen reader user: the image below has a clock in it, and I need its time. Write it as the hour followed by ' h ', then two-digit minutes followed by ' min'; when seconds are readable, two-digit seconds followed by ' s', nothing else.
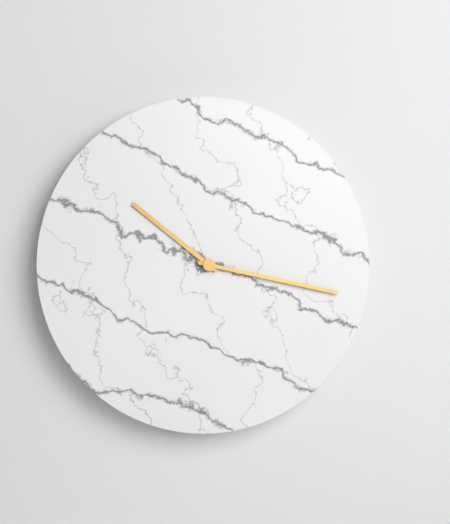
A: 10 h 17 min
